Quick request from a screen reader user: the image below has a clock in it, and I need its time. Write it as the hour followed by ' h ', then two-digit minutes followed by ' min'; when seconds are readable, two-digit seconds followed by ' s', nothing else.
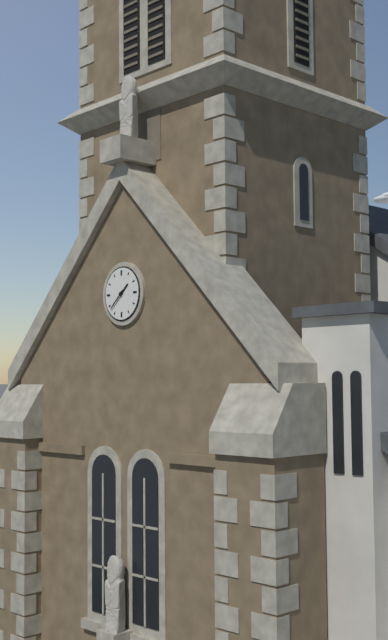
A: 1 h 38 min
